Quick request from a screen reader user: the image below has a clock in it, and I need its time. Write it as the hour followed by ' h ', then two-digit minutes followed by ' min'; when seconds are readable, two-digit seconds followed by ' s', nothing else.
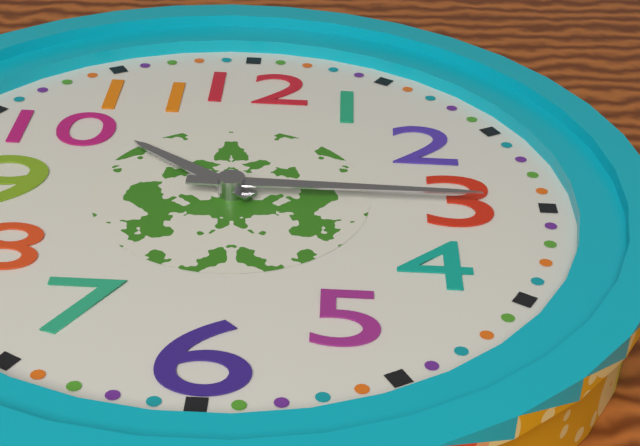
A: 10 h 15 min
